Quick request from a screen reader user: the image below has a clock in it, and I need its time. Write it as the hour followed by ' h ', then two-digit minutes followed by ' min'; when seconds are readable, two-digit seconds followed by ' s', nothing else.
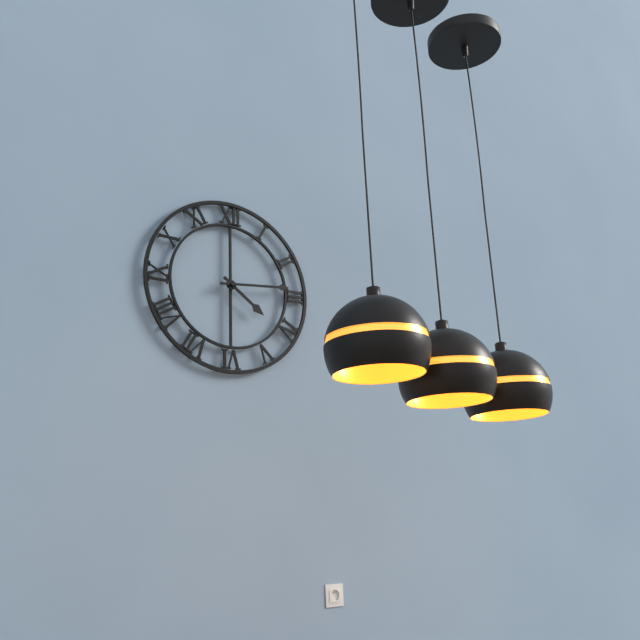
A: 4 h 14 min
